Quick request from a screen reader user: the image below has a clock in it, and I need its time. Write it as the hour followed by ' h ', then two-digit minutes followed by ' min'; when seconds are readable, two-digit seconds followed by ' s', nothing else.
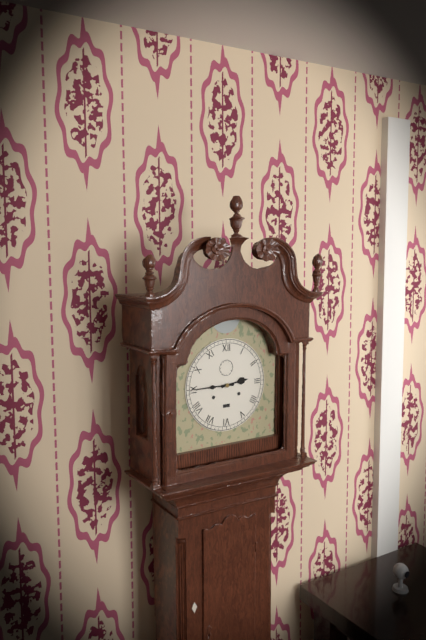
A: 2 h 45 min
